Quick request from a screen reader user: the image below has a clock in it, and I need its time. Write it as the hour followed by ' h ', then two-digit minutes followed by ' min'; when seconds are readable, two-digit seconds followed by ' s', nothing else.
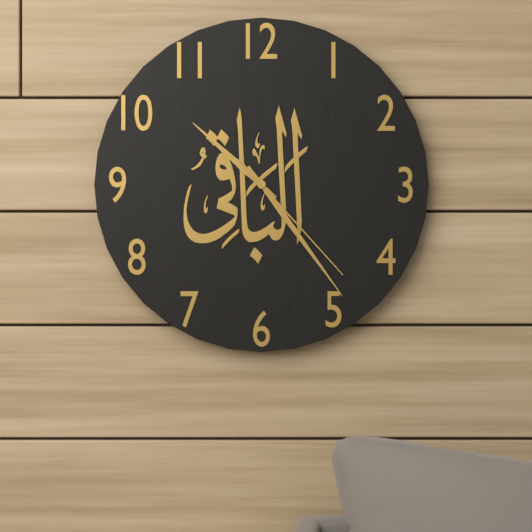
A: 10 h 24 min 23 s
